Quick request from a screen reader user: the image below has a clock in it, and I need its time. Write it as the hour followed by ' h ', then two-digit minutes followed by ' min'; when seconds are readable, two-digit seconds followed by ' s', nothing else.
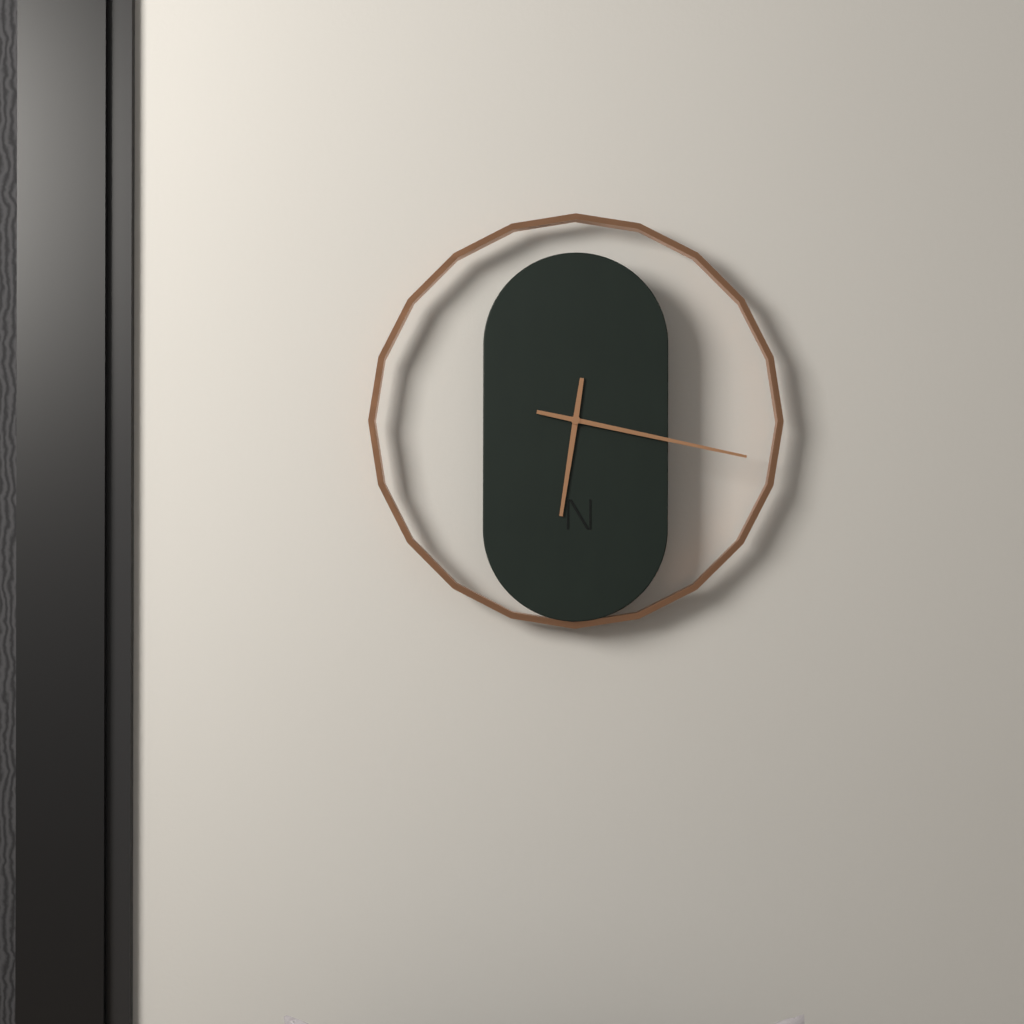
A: 6 h 17 min
